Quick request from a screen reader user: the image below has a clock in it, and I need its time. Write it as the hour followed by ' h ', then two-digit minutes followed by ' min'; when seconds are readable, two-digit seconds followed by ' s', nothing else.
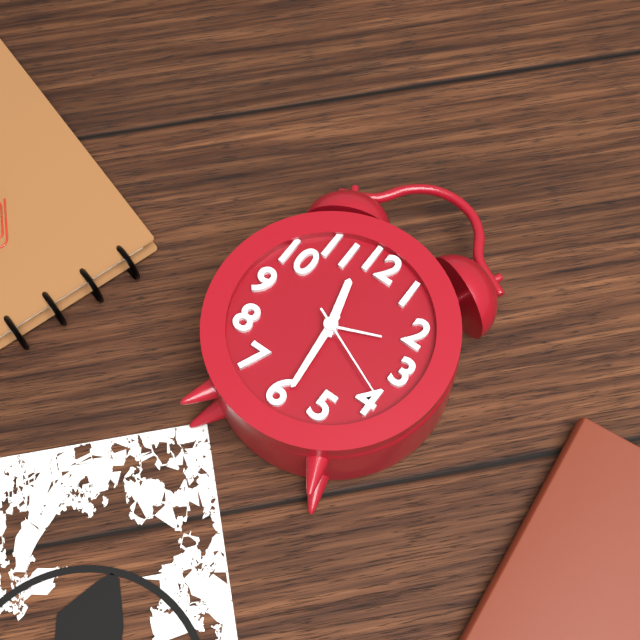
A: 11 h 29 min 19 s
